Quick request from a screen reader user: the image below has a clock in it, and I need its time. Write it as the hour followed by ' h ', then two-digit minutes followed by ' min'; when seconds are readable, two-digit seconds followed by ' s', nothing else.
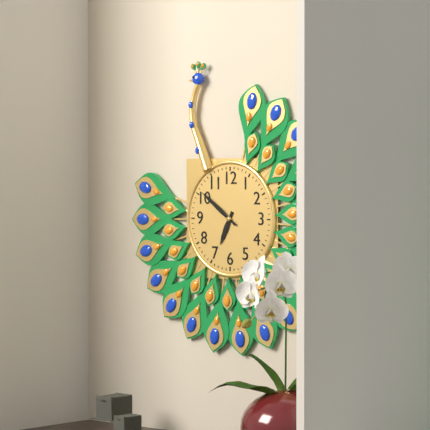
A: 6 h 51 min
